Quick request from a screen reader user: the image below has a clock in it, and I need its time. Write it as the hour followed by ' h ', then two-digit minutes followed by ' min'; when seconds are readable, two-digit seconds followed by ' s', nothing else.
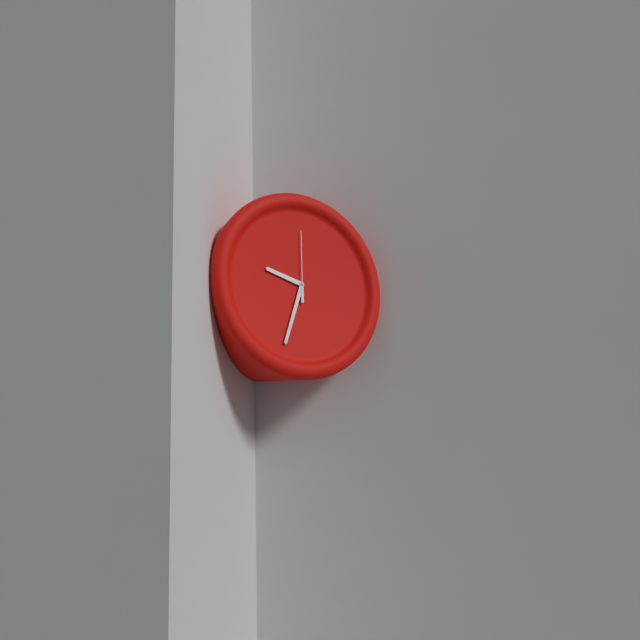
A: 9 h 33 min 00 s
